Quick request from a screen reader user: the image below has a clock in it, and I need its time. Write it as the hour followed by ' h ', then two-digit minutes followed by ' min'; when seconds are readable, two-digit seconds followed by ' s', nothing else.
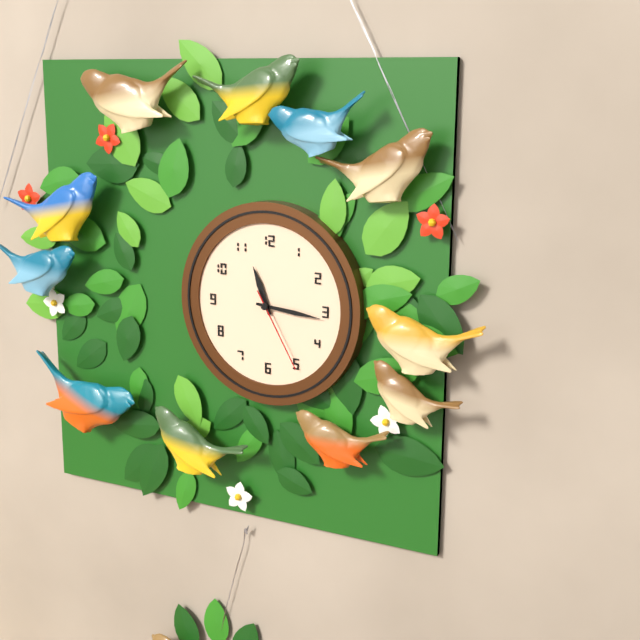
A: 11 h 16 min 25 s
